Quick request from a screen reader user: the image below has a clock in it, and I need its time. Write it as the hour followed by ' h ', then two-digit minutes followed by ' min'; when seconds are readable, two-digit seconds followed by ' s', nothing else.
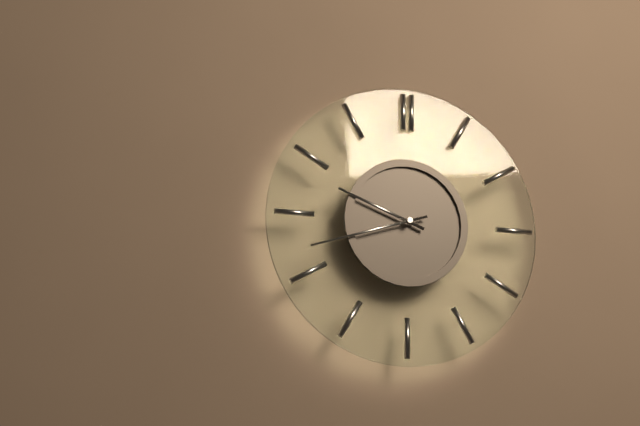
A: 9 h 42 min
